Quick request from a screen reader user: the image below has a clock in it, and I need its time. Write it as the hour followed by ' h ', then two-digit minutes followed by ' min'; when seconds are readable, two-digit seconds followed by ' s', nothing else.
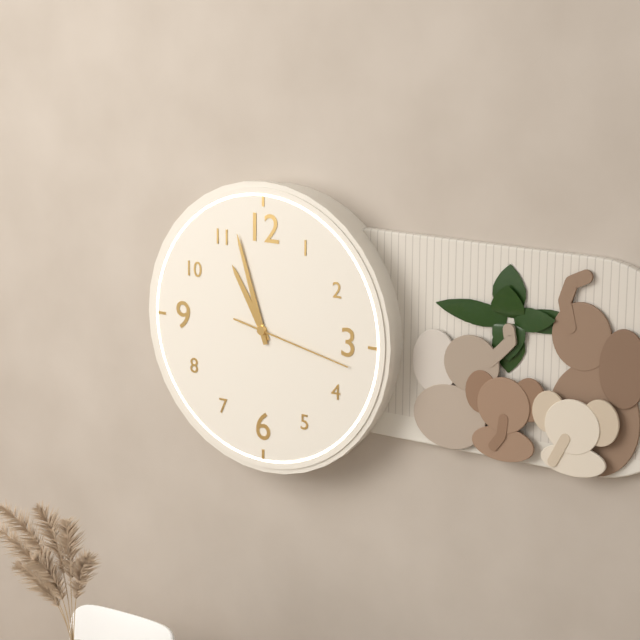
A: 10 h 57 min 17 s
